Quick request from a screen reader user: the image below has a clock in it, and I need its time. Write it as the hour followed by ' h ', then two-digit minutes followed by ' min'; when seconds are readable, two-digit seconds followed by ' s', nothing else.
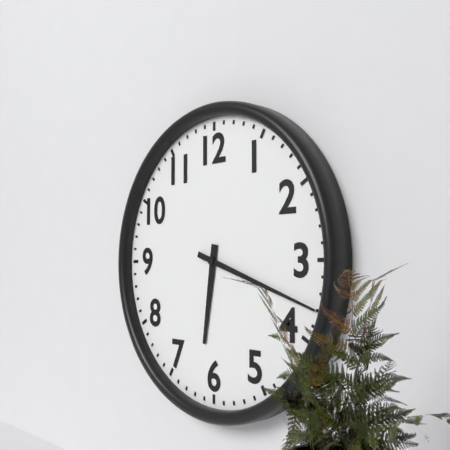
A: 6 h 18 min
